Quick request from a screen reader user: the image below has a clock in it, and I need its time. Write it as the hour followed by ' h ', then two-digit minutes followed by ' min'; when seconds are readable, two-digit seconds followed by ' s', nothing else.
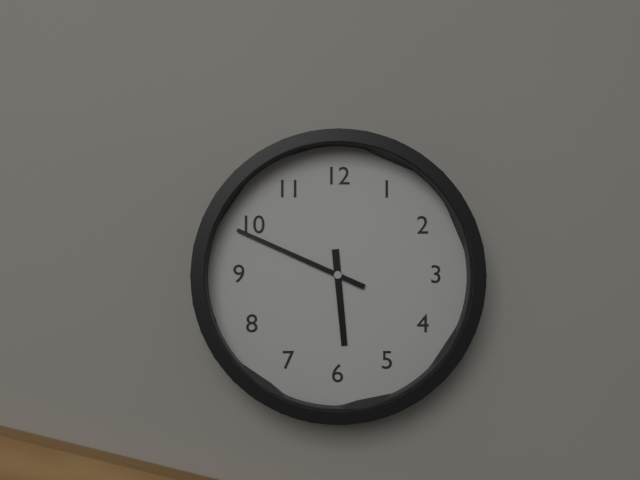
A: 5 h 49 min
